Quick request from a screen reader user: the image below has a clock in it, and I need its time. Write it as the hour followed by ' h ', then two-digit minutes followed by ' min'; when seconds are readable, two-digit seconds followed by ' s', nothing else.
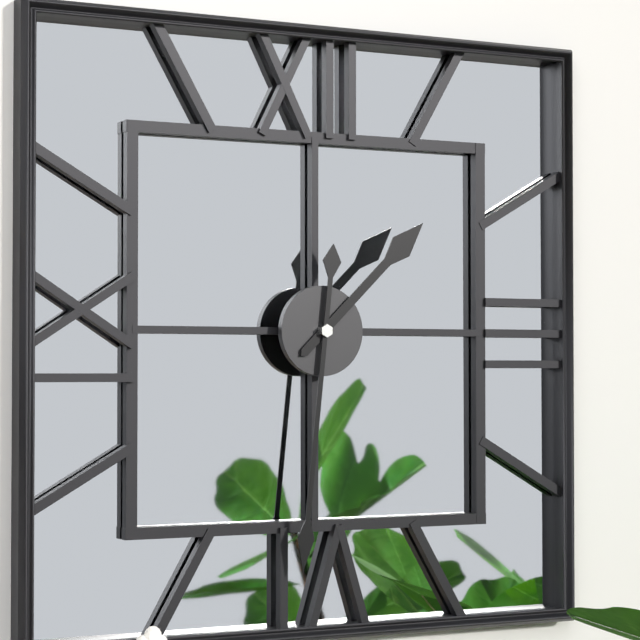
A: 1 h 31 min
